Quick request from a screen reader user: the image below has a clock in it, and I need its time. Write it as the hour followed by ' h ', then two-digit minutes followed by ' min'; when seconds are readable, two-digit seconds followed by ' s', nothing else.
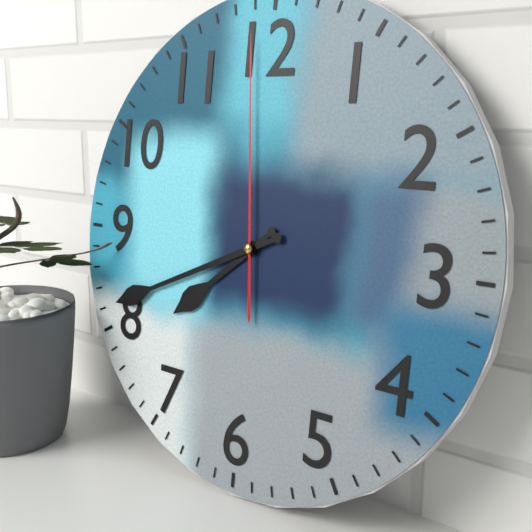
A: 7 h 41 min 59 s
